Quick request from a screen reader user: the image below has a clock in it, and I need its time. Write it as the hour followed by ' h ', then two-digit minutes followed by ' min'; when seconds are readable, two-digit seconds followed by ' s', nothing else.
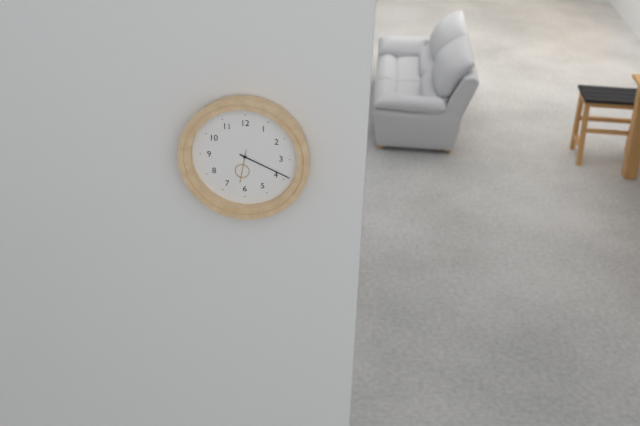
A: 6 h 19 min
